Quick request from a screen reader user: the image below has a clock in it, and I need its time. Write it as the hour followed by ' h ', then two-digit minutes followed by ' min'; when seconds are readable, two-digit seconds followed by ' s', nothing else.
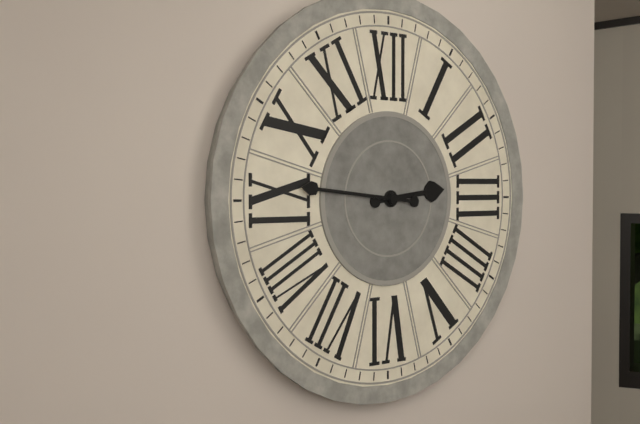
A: 2 h 46 min
